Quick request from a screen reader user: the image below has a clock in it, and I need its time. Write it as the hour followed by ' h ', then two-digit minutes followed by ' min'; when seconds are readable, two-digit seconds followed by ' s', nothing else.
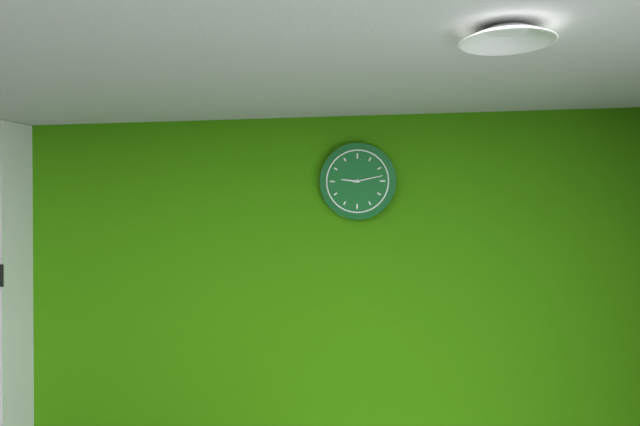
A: 9 h 13 min
